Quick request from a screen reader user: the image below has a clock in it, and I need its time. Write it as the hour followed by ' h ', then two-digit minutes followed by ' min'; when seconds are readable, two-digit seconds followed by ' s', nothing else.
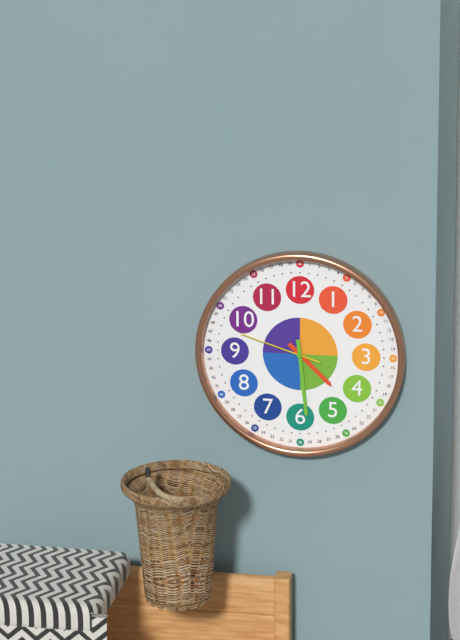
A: 4 h 29 min 48 s
